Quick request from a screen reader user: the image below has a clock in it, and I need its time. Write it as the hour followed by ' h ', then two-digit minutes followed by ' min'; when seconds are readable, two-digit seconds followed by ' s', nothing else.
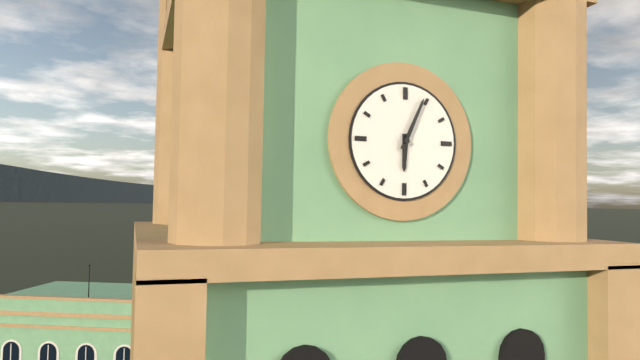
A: 6 h 04 min
